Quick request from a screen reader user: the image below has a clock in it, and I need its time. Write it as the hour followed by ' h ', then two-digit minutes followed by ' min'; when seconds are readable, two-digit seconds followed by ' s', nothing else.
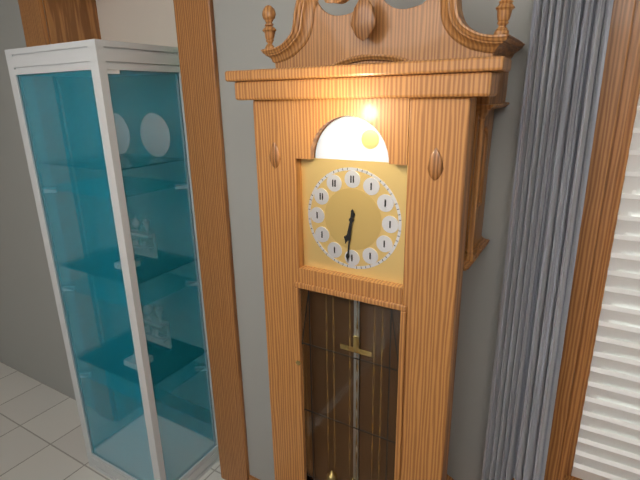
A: 6 h 31 min
